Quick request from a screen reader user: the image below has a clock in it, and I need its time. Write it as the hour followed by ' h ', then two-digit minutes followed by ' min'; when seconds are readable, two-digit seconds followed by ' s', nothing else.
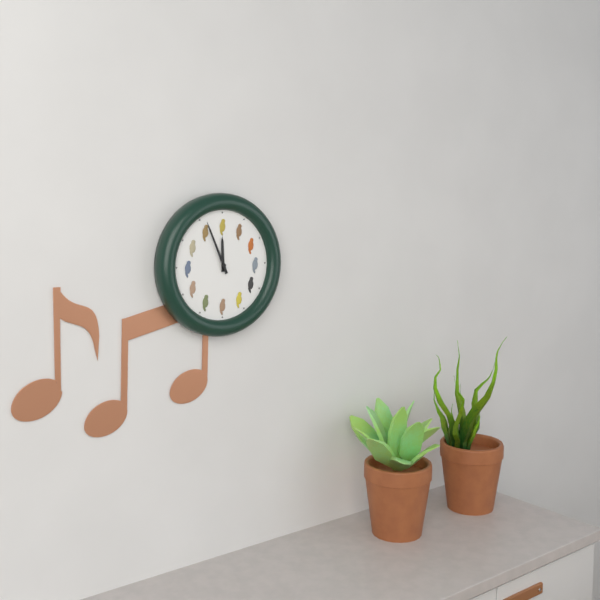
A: 11 h 56 min
